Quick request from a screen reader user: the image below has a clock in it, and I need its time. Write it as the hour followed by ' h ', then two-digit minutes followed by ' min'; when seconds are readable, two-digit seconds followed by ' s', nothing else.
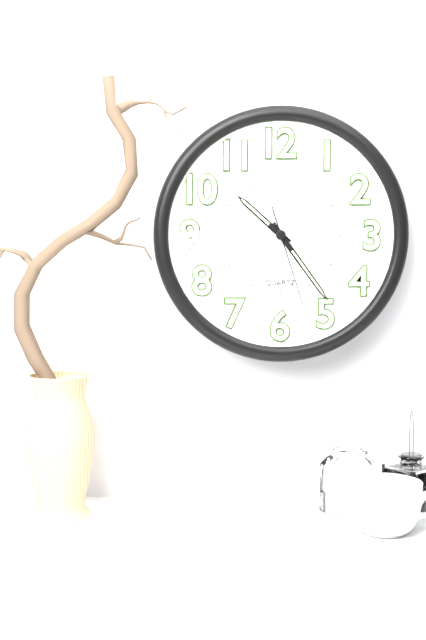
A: 10 h 24 min 27 s
